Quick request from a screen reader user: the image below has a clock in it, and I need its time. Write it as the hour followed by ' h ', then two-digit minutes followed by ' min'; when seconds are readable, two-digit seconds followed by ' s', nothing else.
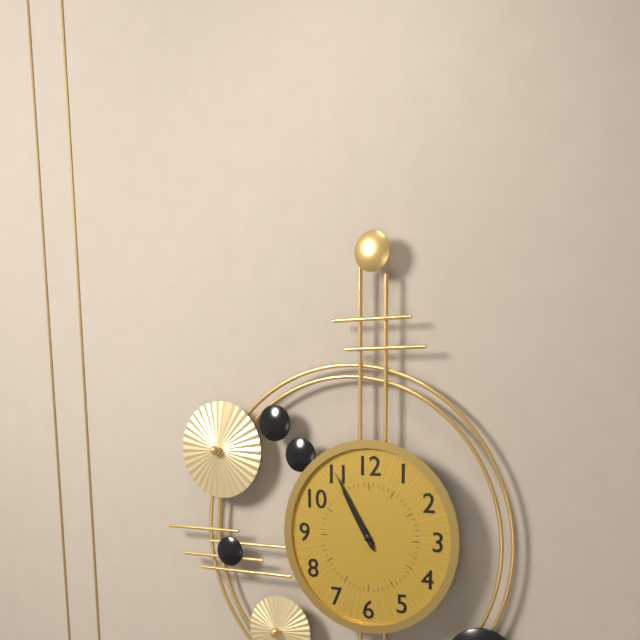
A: 10 h 55 min
